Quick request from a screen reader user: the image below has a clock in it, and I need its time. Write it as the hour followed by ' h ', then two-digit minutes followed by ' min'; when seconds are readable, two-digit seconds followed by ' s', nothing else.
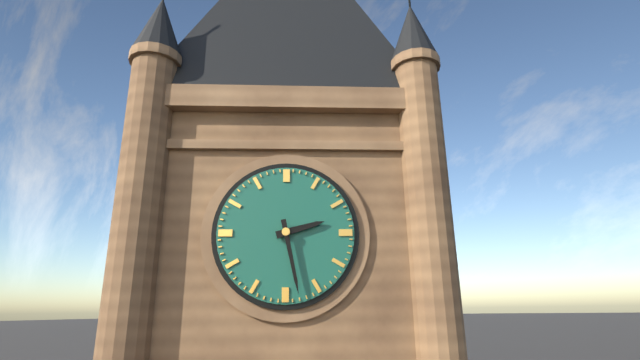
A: 2 h 28 min
